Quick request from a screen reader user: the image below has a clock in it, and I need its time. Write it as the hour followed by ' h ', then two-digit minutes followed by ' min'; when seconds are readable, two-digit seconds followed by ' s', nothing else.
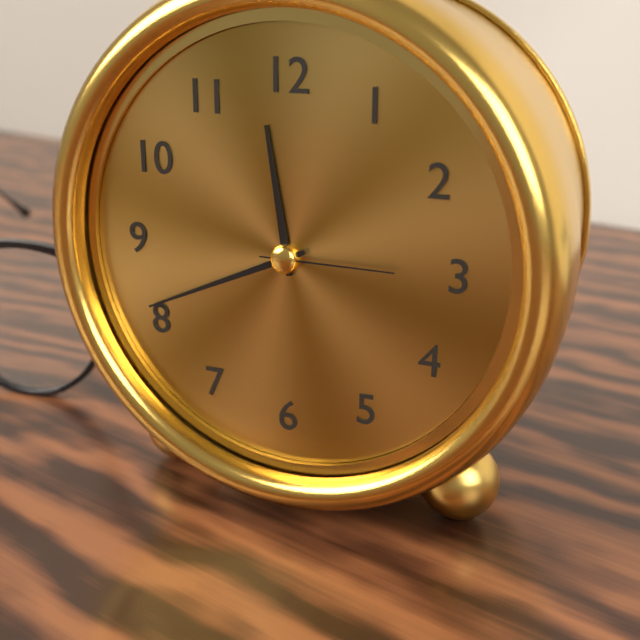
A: 11 h 41 min 15 s
